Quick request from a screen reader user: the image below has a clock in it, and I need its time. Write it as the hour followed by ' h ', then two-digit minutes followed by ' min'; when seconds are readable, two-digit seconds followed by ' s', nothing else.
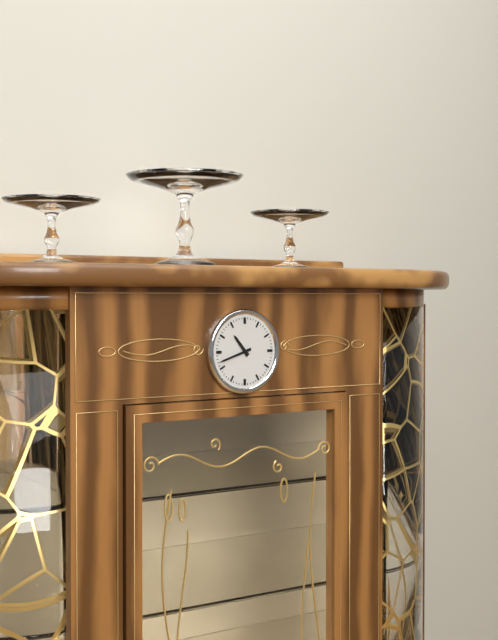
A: 10 h 42 min
